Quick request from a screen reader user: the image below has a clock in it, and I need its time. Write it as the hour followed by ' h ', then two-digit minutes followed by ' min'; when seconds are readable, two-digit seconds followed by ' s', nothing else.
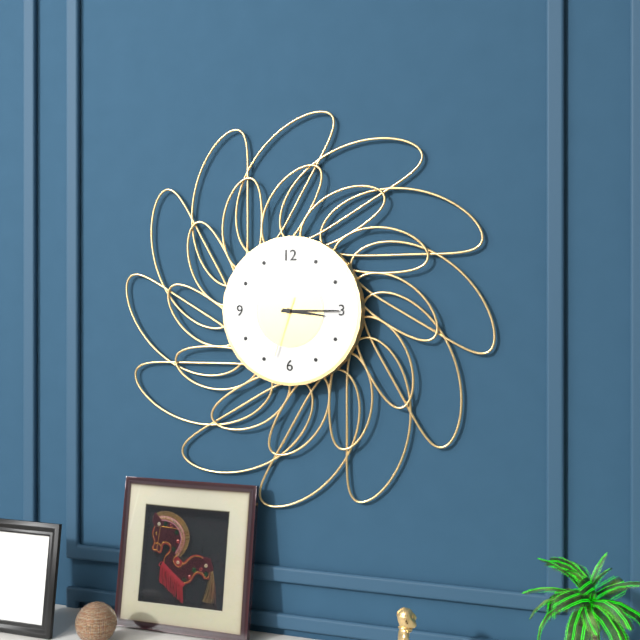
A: 3 h 15 min 33 s
